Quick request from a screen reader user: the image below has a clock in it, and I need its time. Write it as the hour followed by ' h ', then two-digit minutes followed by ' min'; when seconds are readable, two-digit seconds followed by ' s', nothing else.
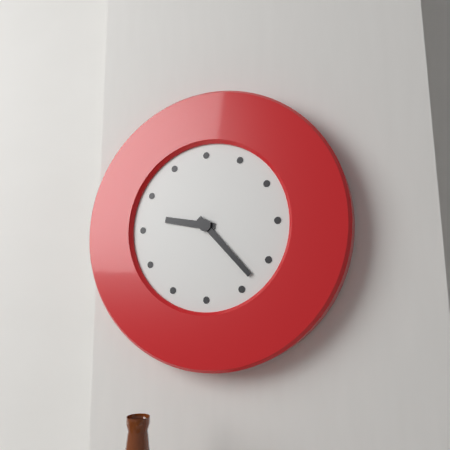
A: 9 h 23 min
